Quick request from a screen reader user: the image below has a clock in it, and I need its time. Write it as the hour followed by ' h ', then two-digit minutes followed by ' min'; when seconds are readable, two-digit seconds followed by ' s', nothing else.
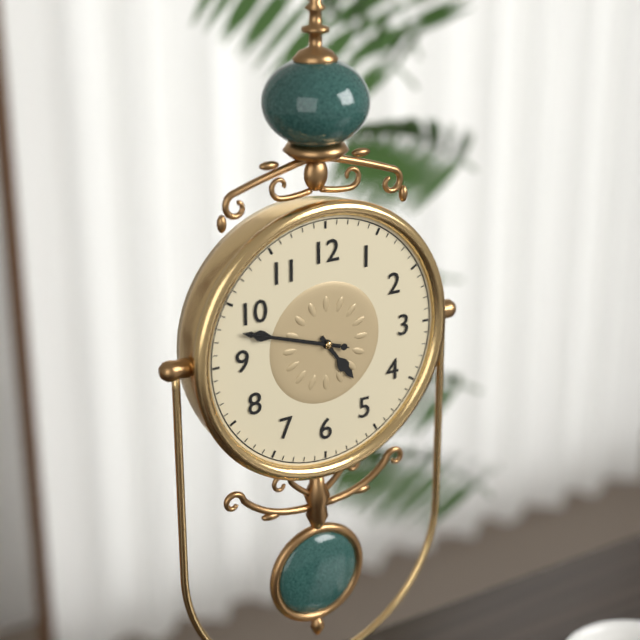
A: 4 h 48 min 48 s
